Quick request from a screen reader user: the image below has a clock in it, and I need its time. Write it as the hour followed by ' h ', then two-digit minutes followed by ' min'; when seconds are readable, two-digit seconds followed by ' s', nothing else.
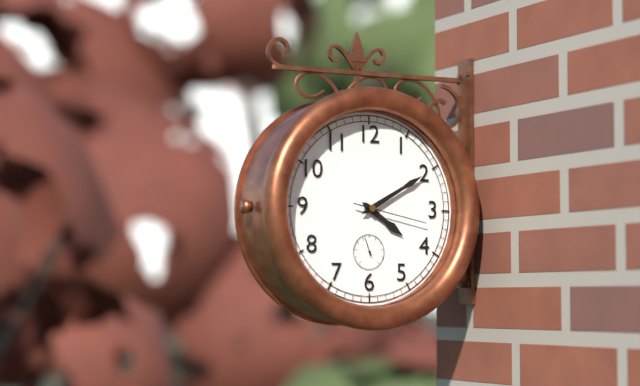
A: 4 h 10 min 17 s
